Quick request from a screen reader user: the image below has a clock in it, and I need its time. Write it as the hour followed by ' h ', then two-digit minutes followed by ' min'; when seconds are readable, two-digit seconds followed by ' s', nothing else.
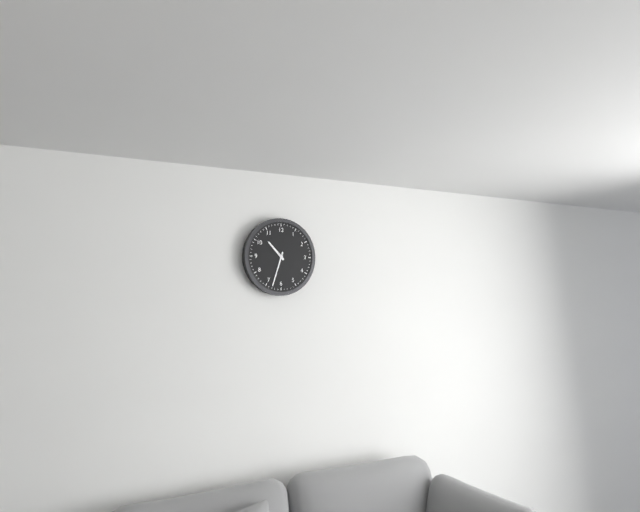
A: 10 h 33 min
